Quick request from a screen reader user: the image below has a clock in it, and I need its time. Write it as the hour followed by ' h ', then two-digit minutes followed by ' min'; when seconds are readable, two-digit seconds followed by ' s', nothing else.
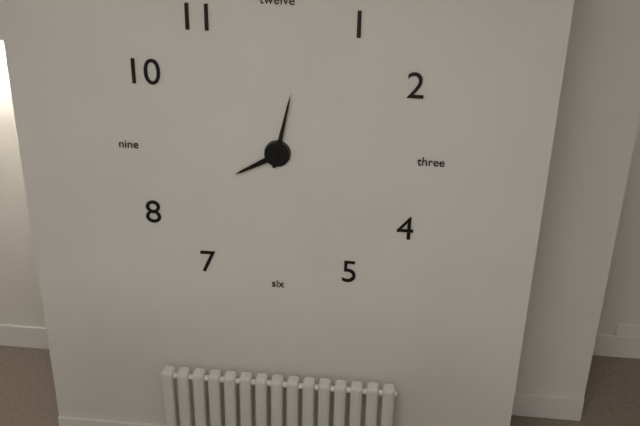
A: 8 h 02 min
